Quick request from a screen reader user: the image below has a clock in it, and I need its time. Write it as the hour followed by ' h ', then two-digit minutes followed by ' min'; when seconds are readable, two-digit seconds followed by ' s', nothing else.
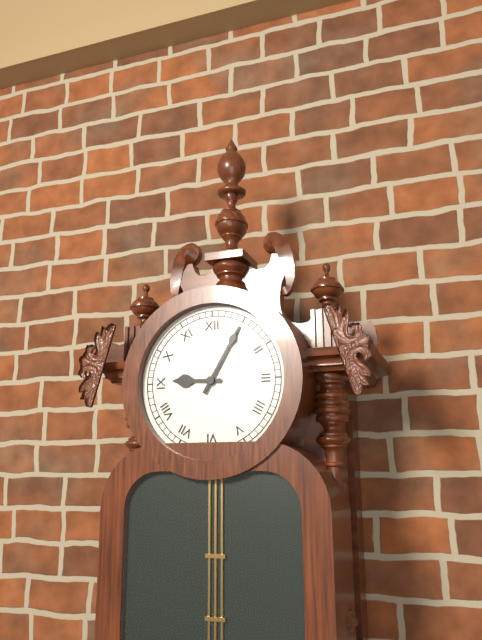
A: 9 h 05 min
